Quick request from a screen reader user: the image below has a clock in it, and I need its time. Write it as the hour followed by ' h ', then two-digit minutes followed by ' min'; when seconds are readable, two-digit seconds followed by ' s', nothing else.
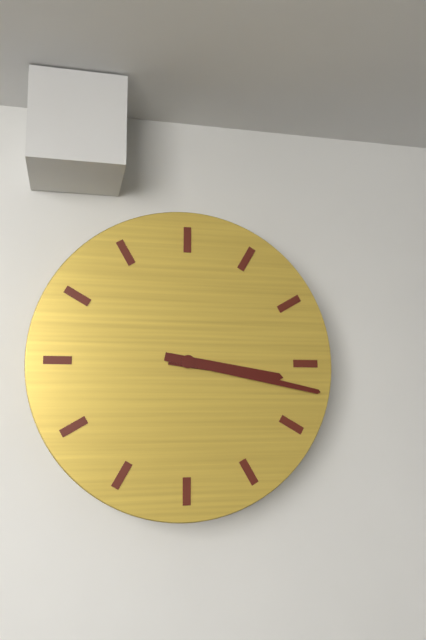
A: 3 h 17 min
